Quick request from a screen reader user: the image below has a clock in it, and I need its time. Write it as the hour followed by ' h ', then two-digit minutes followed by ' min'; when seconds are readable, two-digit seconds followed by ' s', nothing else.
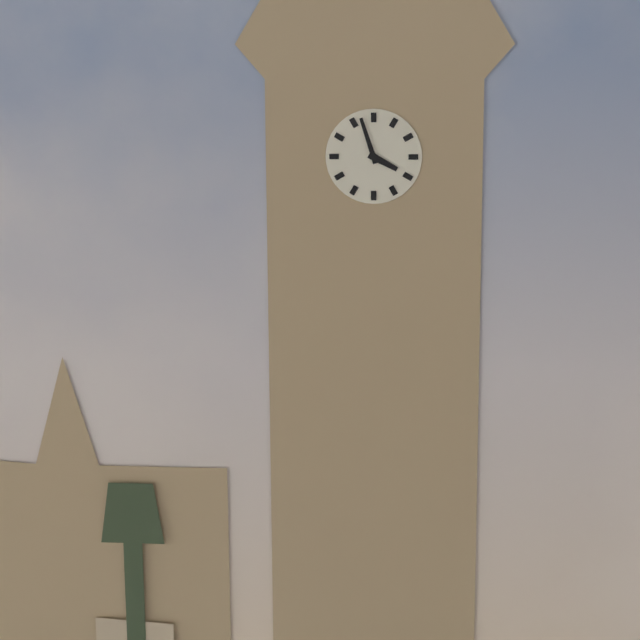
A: 3 h 57 min
